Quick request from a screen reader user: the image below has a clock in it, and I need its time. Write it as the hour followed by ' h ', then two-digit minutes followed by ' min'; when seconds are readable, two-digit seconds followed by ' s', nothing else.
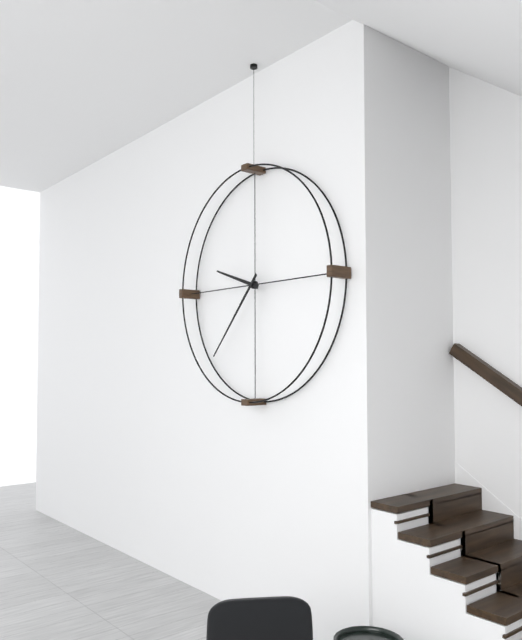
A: 9 h 37 min
